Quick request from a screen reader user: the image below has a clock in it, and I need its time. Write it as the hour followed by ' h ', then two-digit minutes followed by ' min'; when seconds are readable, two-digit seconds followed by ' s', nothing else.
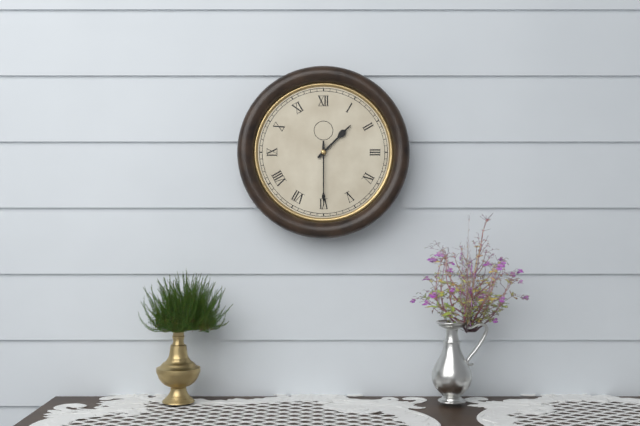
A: 1 h 30 min
